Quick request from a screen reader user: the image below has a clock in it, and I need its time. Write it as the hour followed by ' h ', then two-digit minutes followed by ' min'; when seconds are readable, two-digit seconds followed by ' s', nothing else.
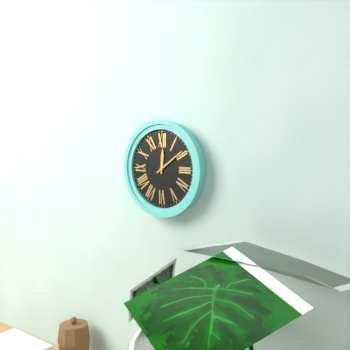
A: 12 h 09 min
